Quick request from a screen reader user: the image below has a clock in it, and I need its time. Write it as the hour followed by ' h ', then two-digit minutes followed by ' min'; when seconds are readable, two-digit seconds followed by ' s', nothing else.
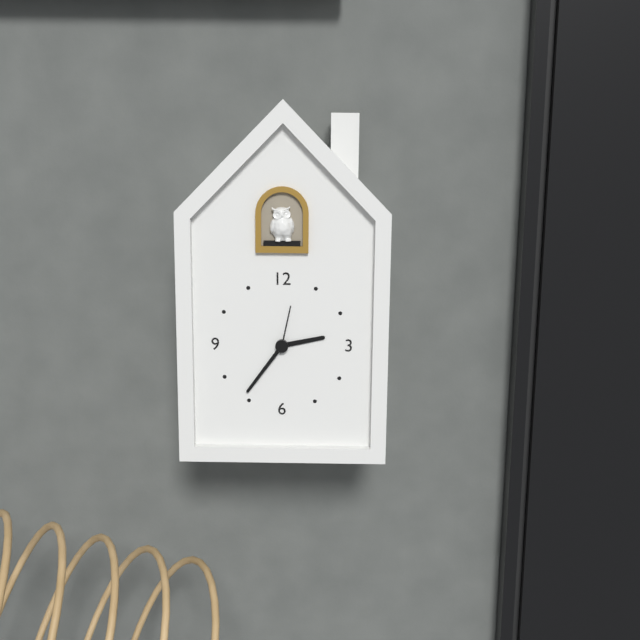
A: 2 h 36 min 02 s
